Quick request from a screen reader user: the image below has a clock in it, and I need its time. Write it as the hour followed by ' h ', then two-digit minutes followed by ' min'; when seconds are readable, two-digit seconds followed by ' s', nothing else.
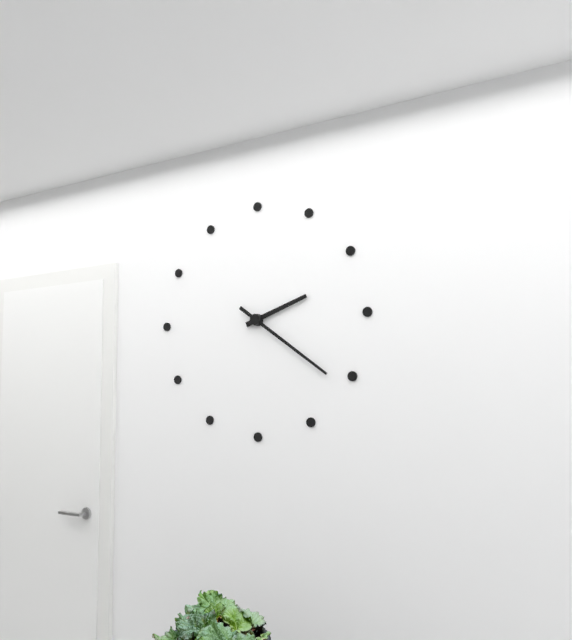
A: 2 h 21 min
